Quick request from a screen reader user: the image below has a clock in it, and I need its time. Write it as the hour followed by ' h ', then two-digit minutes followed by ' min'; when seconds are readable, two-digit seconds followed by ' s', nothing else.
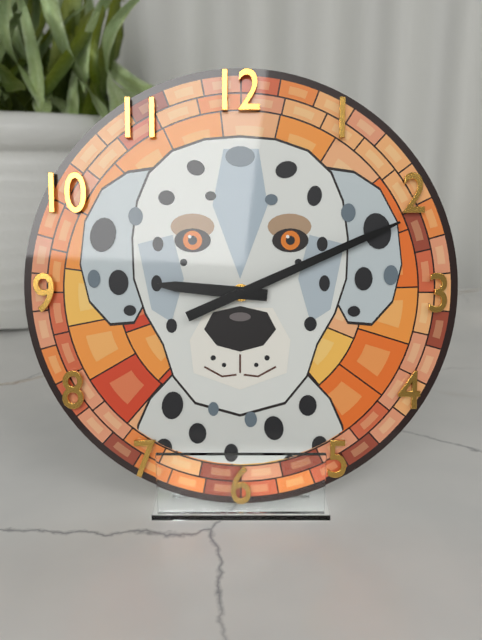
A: 9 h 11 min
